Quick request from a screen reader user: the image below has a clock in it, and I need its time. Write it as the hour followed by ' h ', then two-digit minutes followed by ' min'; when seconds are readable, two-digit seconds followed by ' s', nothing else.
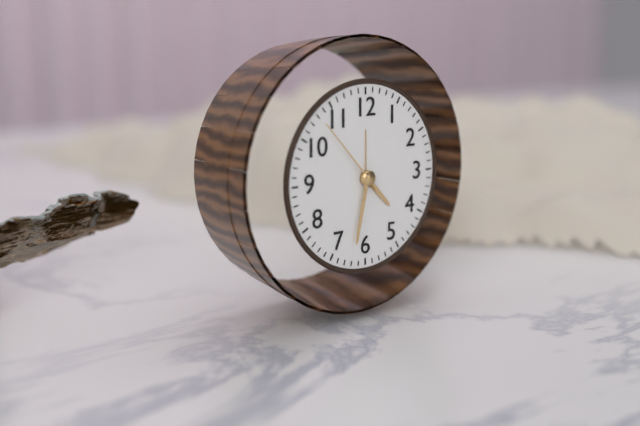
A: 4 h 32 min 53 s
